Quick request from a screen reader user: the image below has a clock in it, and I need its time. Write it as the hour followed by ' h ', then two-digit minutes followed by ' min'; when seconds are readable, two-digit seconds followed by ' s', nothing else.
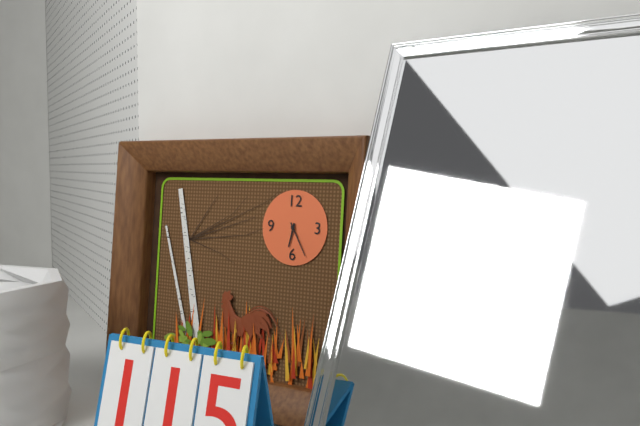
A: 6 h 25 min
